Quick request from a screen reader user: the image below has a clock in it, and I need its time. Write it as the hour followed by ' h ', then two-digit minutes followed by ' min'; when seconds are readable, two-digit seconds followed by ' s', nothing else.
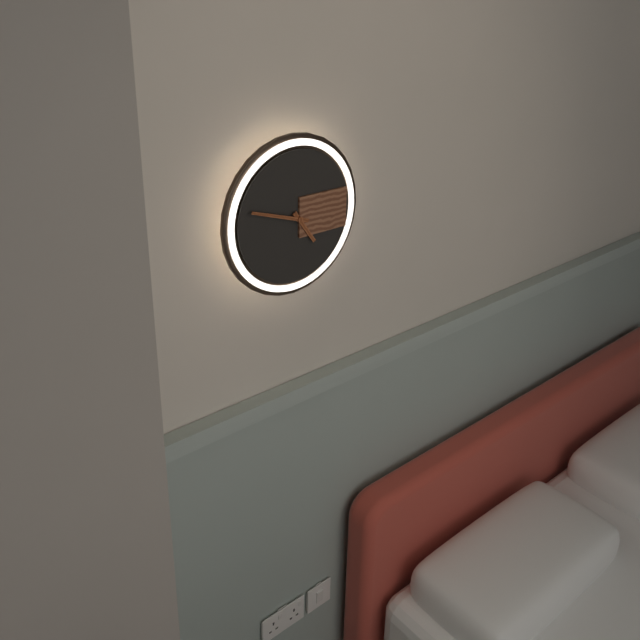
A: 4 h 48 min
